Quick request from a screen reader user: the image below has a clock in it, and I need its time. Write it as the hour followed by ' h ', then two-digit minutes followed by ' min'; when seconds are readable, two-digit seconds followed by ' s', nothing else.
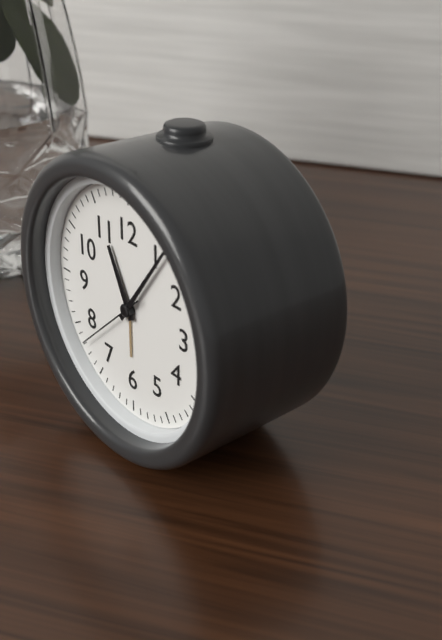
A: 11 h 06 min 38 s
